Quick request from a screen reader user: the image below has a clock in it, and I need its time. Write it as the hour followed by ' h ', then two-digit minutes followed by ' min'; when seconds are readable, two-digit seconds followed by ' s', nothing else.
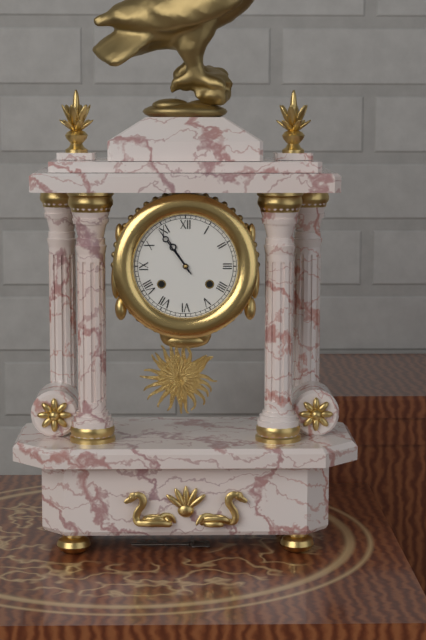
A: 10 h 54 min
